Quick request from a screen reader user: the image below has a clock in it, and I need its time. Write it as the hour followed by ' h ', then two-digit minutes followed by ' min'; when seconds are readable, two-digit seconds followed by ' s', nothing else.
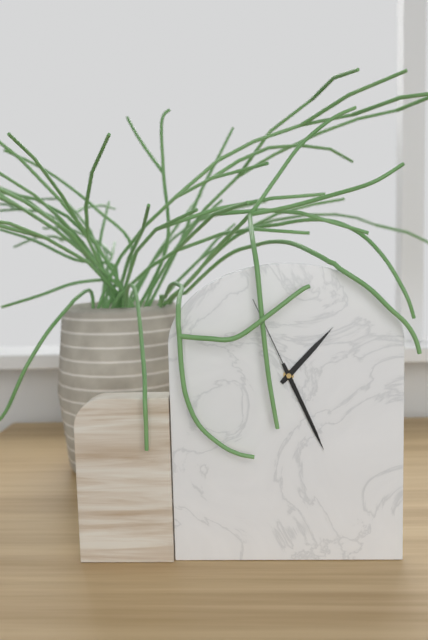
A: 1 h 26 min 56 s
